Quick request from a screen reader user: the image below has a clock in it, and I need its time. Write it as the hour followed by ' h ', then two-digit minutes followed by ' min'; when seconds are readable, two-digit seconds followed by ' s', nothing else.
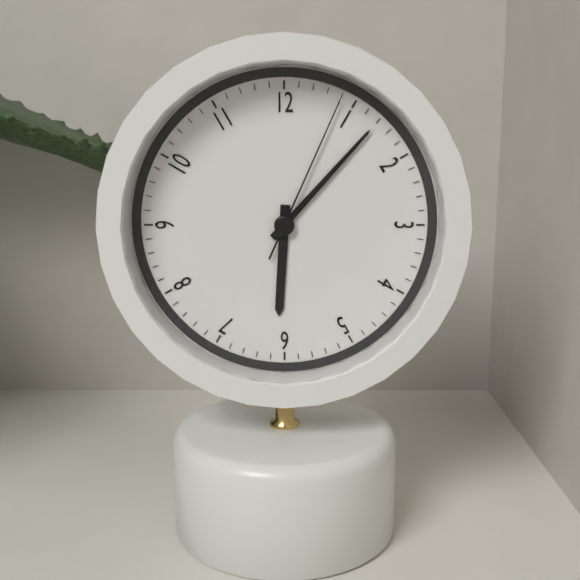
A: 6 h 07 min 04 s
